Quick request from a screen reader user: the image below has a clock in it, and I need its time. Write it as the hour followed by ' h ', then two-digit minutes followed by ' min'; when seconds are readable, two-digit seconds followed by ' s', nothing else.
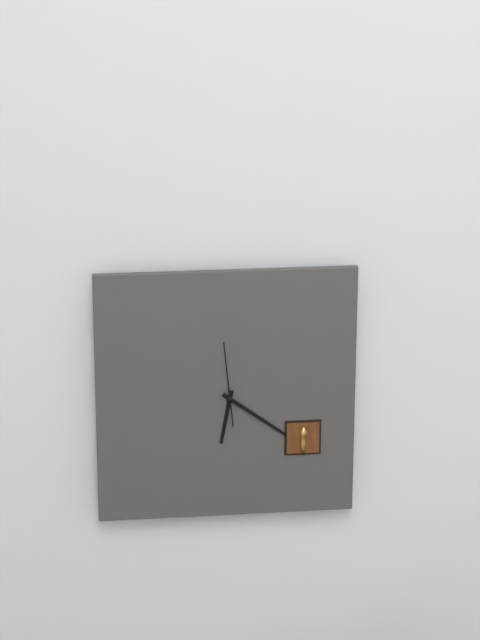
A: 6 h 21 min 59 s
